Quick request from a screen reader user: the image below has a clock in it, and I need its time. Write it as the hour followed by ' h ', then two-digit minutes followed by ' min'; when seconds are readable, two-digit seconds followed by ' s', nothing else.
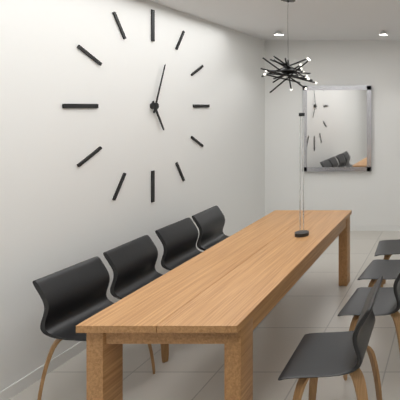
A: 5 h 03 min
